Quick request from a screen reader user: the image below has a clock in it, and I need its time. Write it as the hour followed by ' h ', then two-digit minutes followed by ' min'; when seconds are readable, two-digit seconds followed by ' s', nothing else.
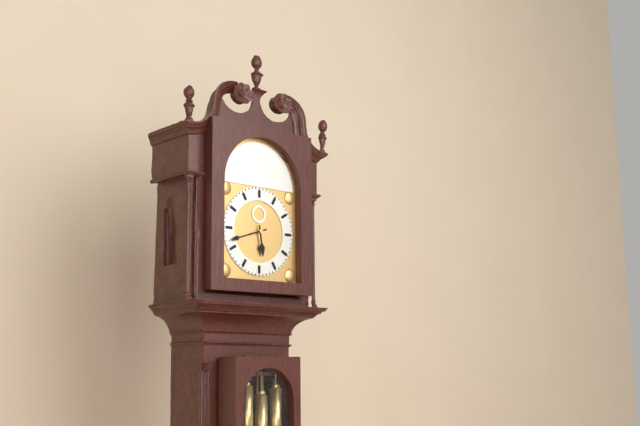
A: 5 h 42 min
